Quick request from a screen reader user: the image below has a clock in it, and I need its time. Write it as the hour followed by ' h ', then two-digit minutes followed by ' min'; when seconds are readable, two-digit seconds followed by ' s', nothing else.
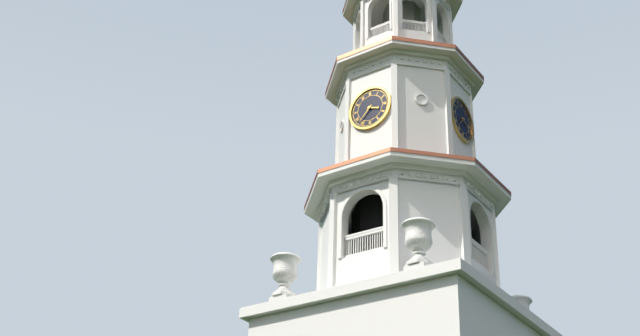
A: 3 h 37 min
